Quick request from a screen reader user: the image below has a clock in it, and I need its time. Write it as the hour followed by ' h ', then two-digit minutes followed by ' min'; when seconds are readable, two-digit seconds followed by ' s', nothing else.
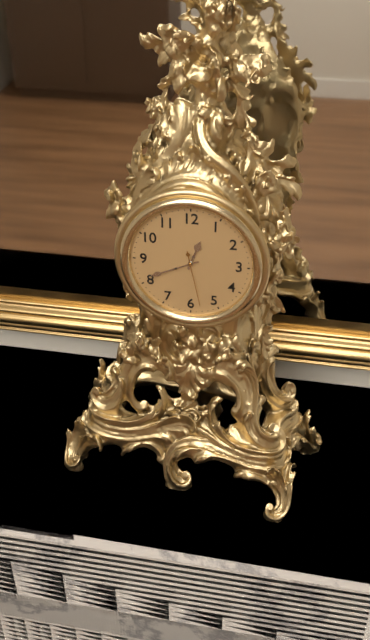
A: 12 h 41 min 28 s
